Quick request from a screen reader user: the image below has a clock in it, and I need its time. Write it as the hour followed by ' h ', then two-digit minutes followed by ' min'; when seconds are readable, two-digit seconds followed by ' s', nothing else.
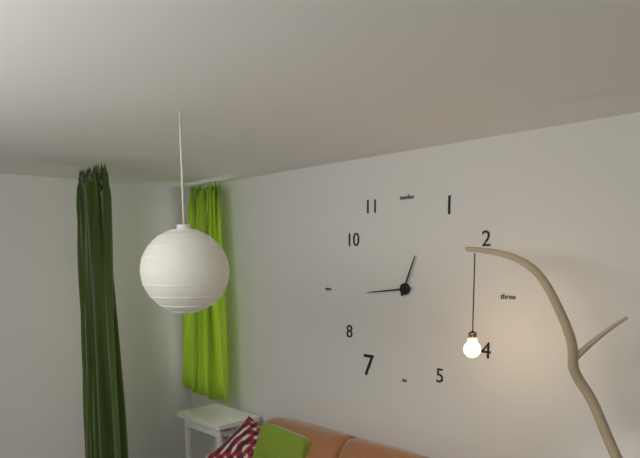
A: 12 h 44 min
